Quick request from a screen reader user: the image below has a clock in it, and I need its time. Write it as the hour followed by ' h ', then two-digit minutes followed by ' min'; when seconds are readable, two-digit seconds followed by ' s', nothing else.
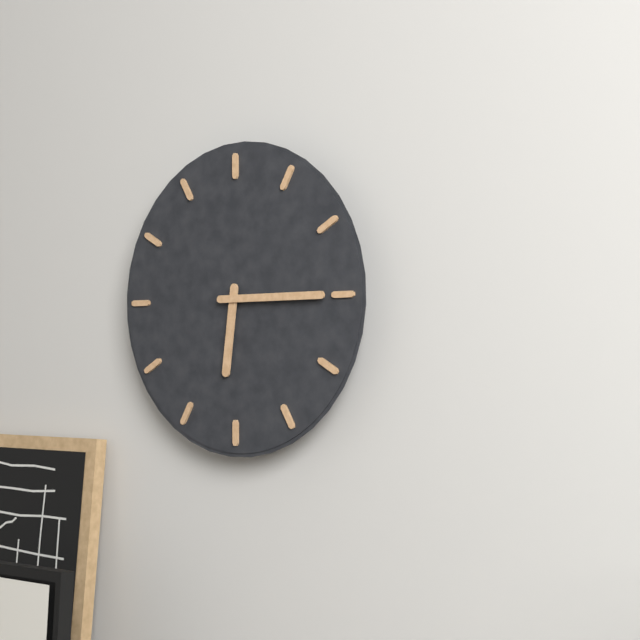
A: 6 h 15 min
